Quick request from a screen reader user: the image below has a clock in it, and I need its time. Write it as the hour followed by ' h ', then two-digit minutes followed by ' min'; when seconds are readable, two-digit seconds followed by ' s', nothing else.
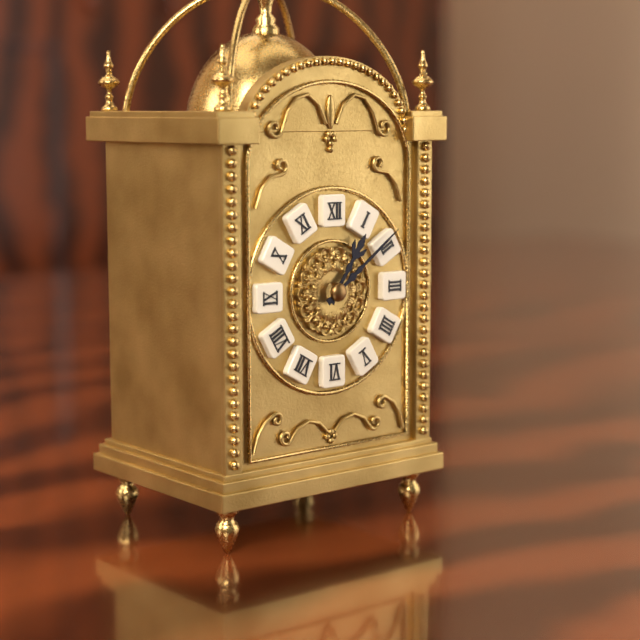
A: 1 h 09 min
